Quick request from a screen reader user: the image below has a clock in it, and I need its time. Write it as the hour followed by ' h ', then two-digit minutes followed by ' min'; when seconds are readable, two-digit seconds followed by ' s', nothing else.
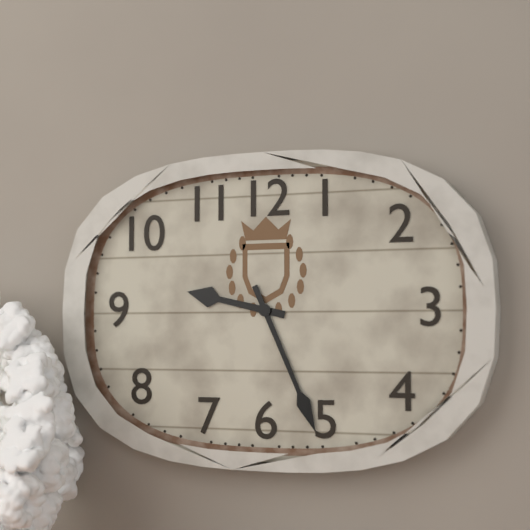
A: 9 h 26 min
